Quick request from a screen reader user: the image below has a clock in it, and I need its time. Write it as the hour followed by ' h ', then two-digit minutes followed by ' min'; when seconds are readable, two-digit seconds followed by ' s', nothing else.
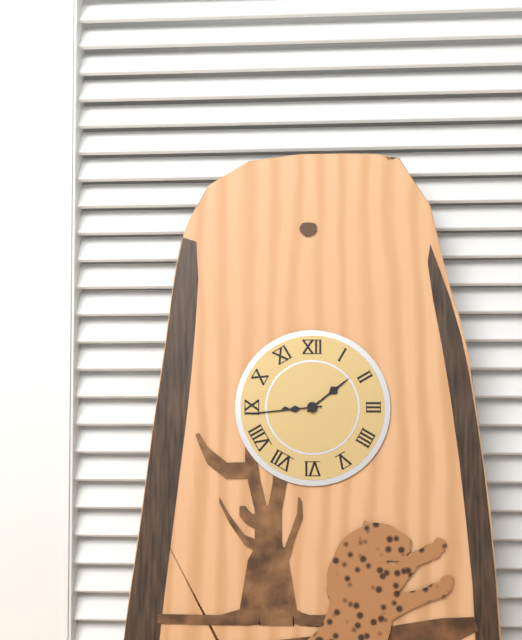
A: 1 h 44 min
